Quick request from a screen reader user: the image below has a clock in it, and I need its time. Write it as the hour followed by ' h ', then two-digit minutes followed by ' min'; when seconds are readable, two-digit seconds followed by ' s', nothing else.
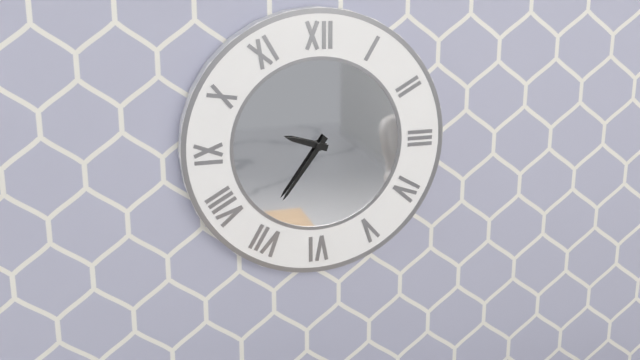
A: 9 h 36 min
